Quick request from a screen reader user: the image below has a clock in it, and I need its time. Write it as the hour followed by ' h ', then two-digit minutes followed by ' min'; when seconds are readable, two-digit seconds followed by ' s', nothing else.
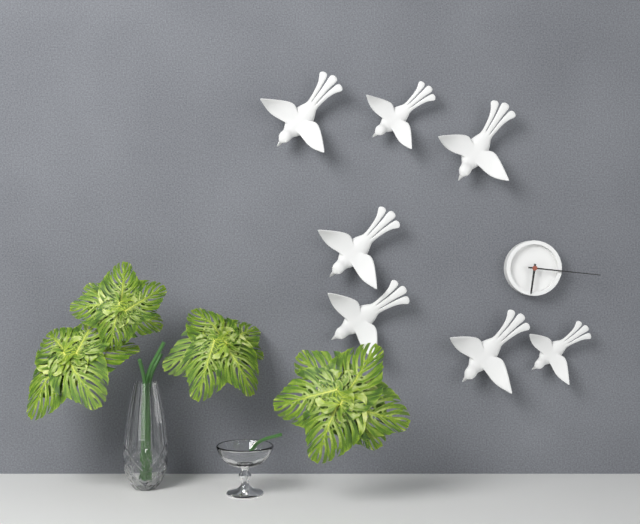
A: 6 h 16 min
